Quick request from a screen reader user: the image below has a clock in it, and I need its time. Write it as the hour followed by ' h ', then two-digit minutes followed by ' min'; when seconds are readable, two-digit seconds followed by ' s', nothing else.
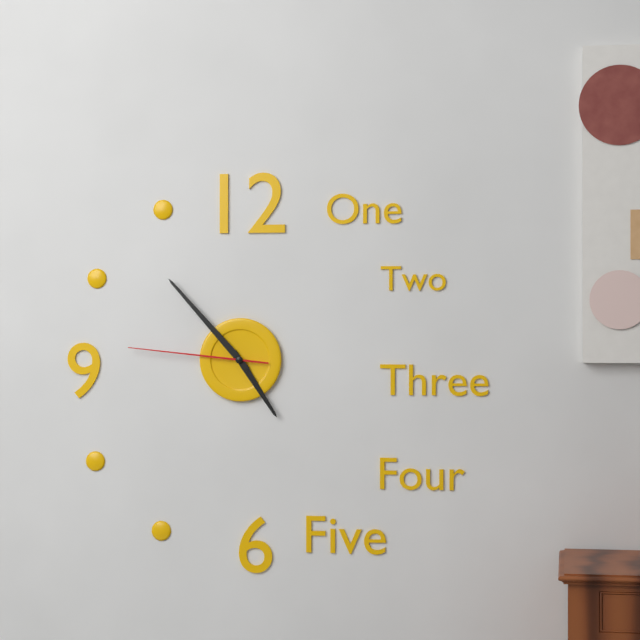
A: 4 h 53 min 46 s
